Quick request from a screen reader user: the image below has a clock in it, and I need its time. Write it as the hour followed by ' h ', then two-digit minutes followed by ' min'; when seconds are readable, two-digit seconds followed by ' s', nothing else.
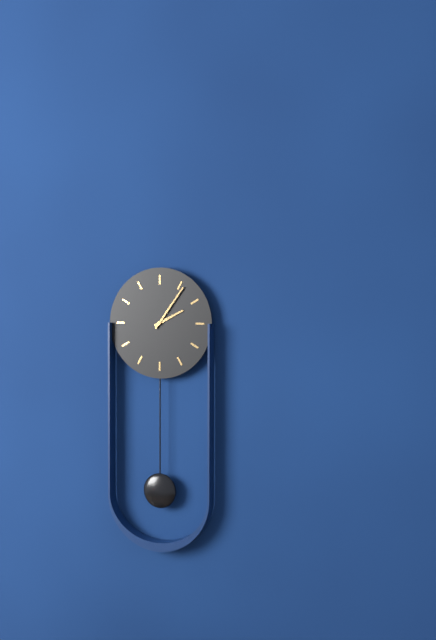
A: 2 h 06 min
